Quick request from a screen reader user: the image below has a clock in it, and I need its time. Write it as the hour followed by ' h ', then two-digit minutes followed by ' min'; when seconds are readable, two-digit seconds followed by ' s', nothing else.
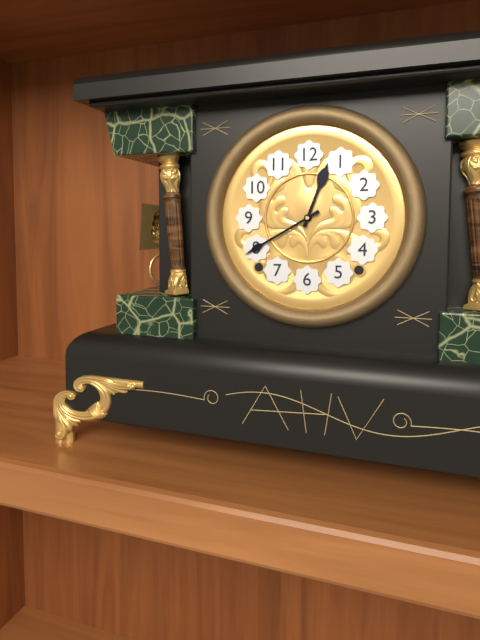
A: 12 h 40 min
